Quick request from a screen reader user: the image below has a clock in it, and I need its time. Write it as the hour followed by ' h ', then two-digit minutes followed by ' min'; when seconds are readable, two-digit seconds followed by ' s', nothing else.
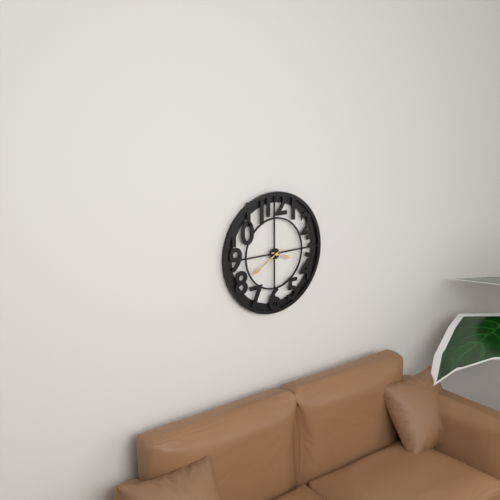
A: 3 h 40 min
